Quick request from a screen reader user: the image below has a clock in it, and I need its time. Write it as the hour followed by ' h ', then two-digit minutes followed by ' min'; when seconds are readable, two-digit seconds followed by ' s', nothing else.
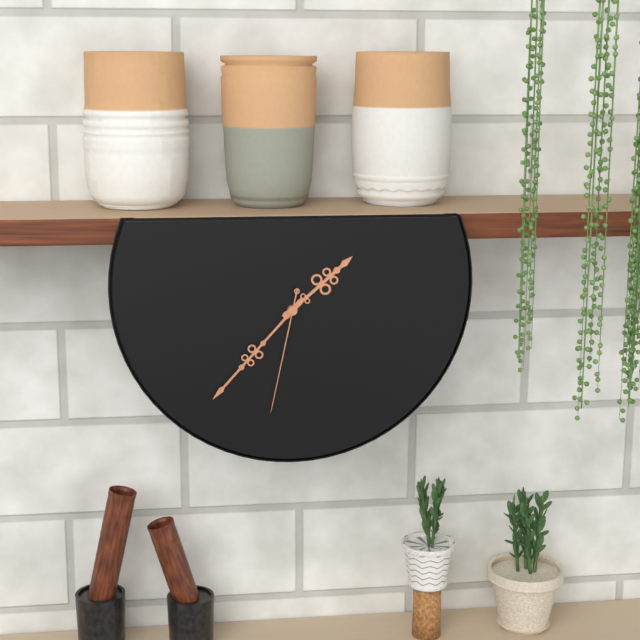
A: 1 h 37 min 32 s
